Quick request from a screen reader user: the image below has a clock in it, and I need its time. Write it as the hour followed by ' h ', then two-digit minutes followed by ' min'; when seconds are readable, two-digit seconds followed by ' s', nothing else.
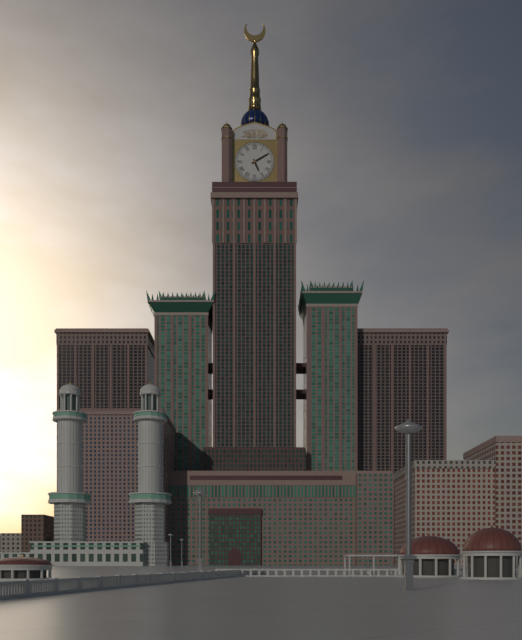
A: 5 h 10 min
